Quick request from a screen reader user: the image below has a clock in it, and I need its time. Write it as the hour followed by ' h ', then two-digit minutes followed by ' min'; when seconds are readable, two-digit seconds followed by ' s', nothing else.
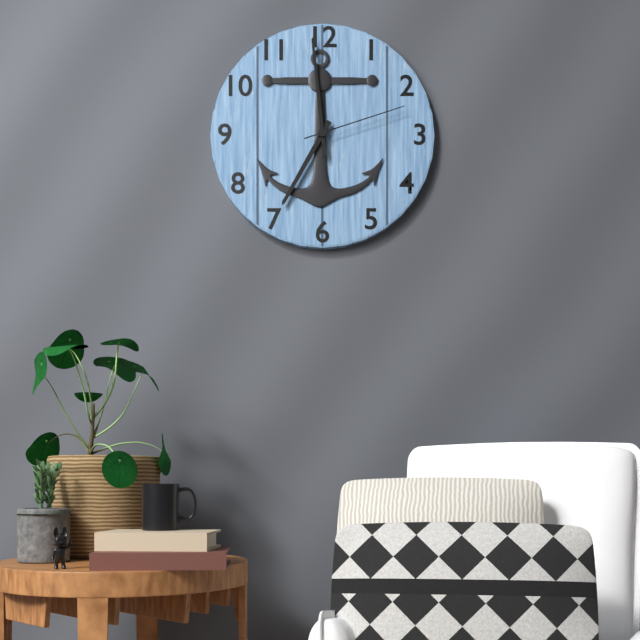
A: 6 h 59 min 12 s
